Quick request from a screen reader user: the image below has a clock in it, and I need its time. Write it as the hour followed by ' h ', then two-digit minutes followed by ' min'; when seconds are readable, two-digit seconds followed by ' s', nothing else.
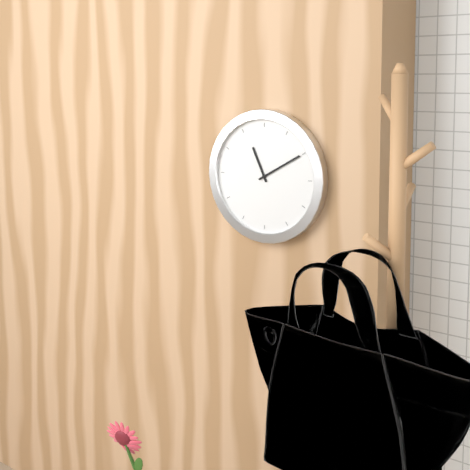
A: 11 h 10 min
